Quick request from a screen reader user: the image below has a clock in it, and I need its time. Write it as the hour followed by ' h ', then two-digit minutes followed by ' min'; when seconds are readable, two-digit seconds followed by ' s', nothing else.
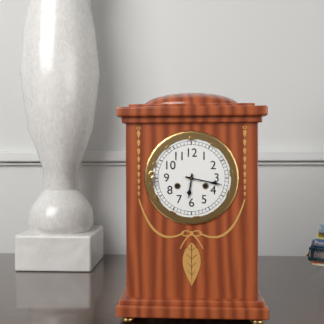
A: 6 h 17 min
